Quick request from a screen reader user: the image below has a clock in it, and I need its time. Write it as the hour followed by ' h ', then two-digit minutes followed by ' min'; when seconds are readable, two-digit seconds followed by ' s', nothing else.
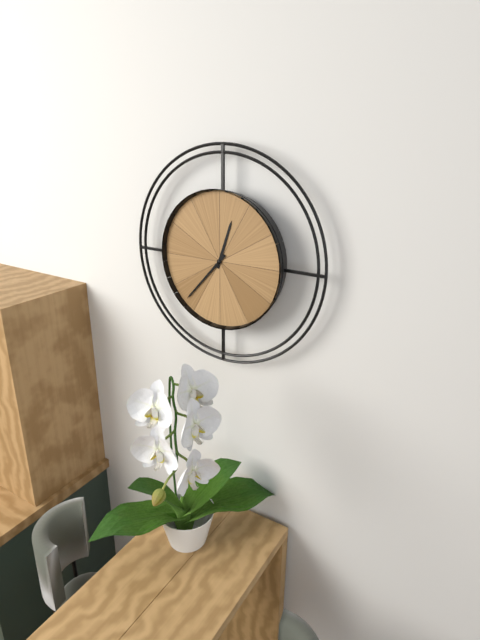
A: 12 h 37 min
